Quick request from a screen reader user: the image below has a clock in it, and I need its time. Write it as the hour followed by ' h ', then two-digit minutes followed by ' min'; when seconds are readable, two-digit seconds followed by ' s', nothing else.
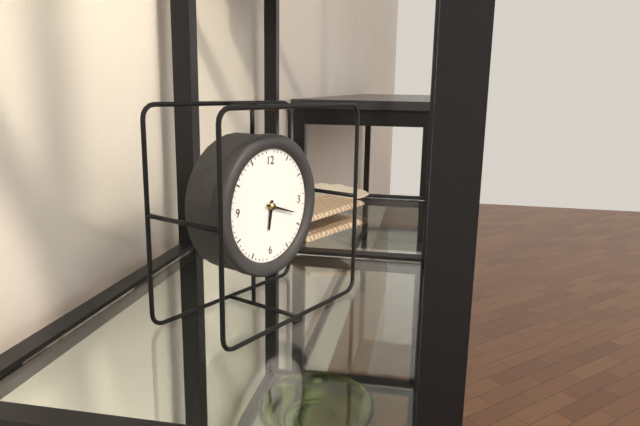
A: 6 h 18 min
